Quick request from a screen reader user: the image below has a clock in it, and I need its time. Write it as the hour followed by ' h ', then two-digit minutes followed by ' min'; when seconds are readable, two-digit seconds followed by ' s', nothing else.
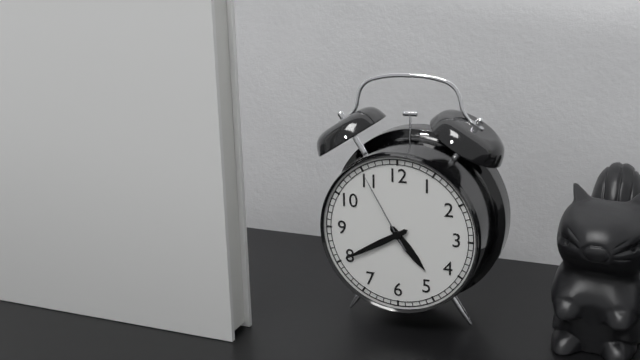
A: 4 h 40 min 55 s
